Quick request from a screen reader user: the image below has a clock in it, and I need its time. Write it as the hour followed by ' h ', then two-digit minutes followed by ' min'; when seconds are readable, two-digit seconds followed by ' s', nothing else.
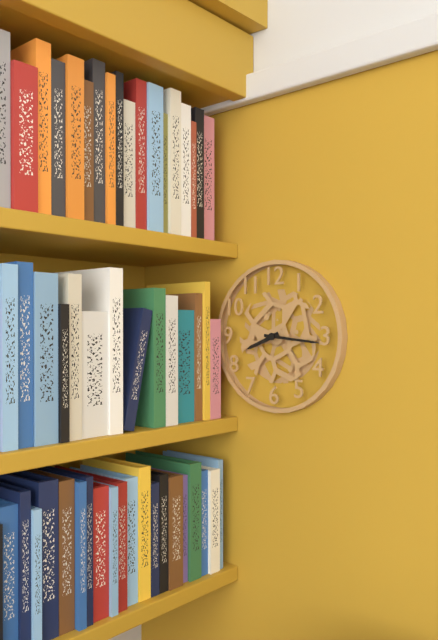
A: 8 h 16 min
